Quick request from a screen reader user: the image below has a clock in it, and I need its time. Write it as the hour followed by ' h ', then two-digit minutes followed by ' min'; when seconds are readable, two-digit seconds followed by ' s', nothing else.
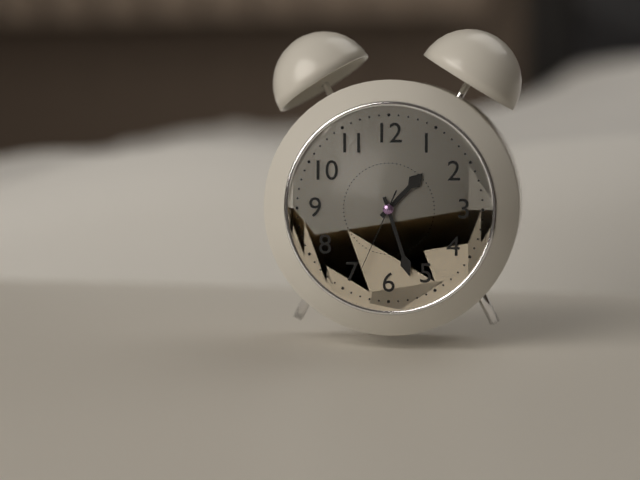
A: 1 h 27 min 34 s
